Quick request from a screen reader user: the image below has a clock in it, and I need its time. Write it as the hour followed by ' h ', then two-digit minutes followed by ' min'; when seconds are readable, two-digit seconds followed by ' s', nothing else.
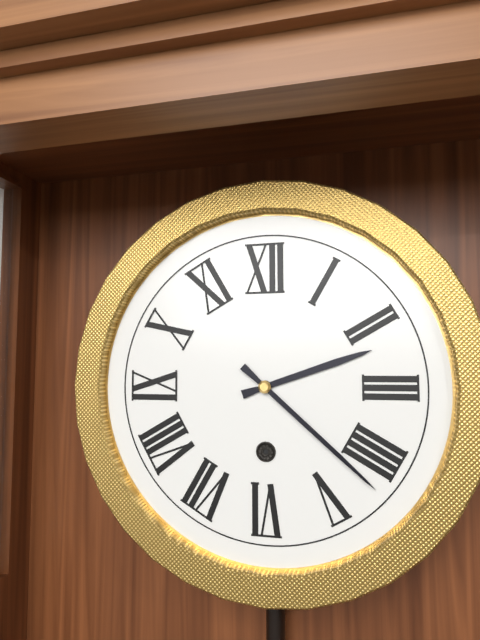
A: 2 h 22 min
